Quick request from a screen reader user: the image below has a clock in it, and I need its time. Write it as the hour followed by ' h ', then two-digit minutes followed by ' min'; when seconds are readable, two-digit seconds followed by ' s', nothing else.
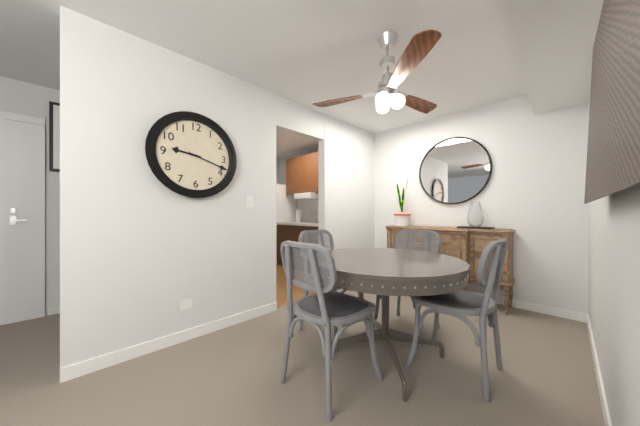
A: 9 h 18 min
